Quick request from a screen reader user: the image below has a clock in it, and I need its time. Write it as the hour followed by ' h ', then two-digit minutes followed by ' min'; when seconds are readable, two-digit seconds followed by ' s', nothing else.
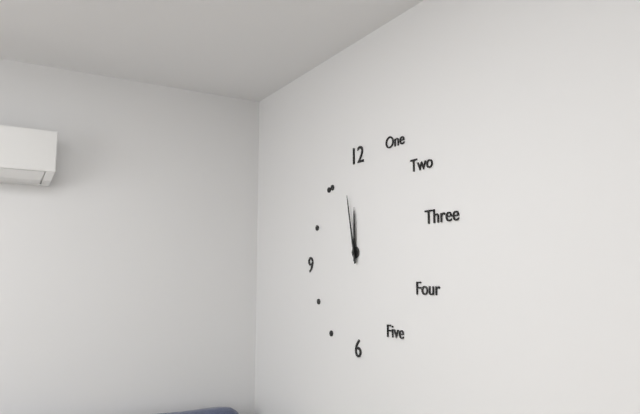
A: 11 h 58 min
